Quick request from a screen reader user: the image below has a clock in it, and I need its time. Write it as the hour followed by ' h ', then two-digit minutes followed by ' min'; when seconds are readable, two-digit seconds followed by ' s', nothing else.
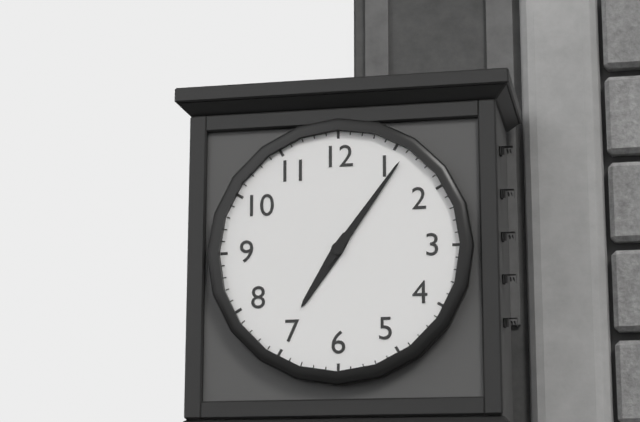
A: 7 h 06 min
